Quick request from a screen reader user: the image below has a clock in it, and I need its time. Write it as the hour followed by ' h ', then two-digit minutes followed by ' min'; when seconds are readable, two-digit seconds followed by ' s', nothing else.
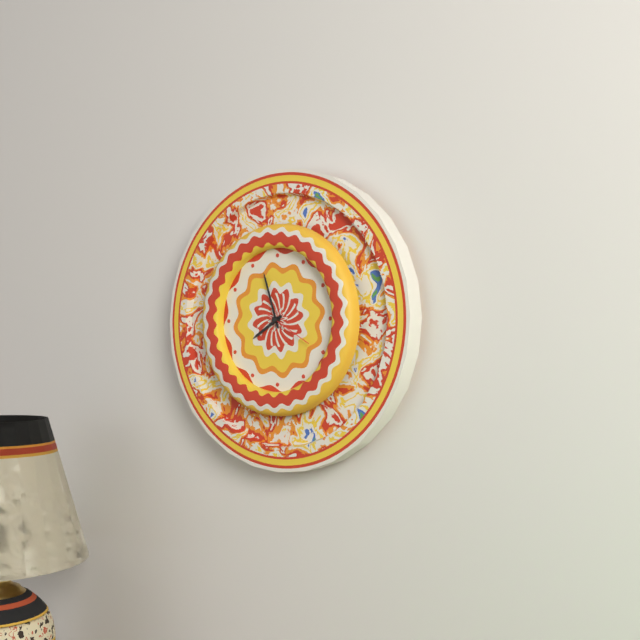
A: 7 h 57 min 20 s
